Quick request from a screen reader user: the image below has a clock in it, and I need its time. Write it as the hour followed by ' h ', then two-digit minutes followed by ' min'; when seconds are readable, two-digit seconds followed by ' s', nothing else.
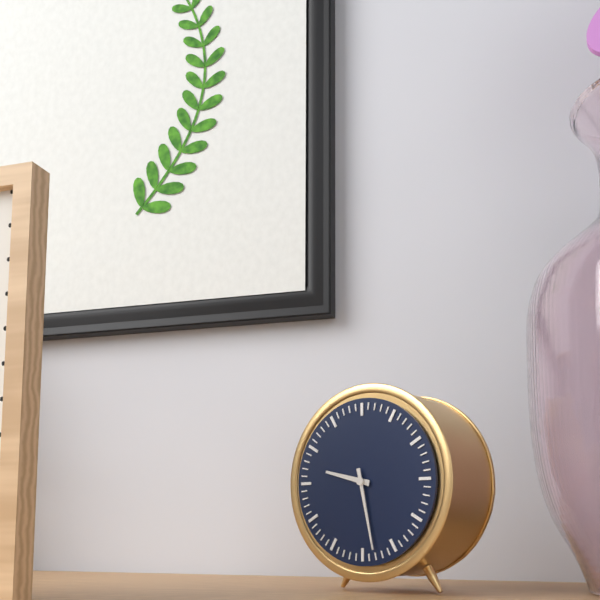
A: 9 h 28 min
